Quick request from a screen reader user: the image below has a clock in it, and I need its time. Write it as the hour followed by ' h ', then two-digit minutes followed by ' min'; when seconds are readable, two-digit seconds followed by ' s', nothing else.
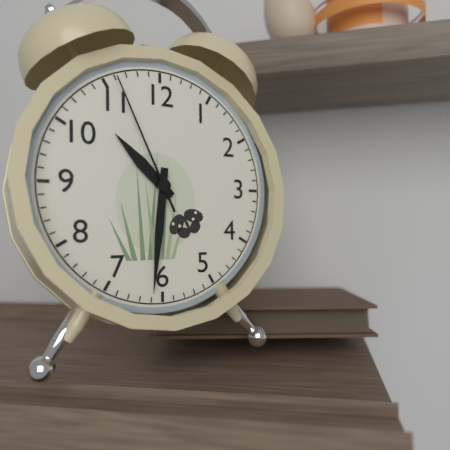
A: 10 h 31 min 56 s
